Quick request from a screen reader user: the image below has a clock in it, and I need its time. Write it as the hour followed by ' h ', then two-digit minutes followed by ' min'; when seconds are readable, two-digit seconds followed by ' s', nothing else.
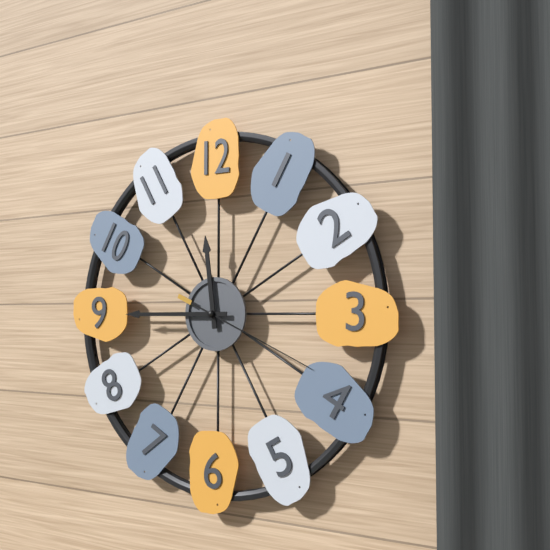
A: 11 h 45 min 19 s
